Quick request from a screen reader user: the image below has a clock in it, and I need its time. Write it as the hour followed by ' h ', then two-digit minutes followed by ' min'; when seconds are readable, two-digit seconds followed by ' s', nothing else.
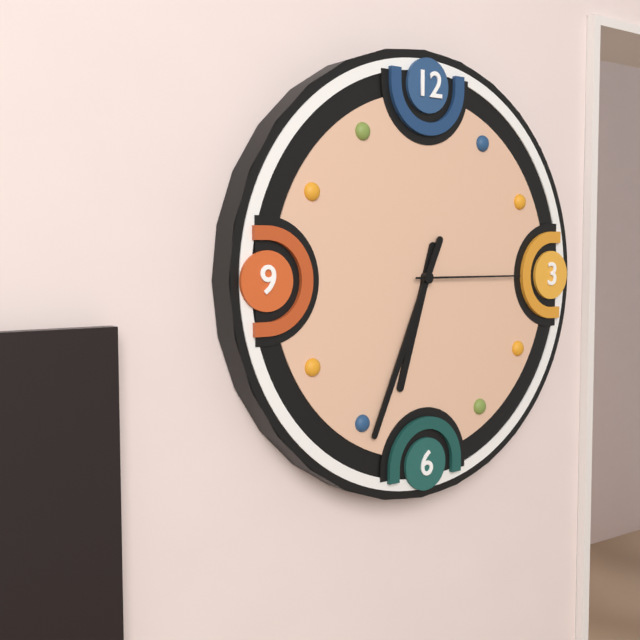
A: 6 h 34 min 15 s
